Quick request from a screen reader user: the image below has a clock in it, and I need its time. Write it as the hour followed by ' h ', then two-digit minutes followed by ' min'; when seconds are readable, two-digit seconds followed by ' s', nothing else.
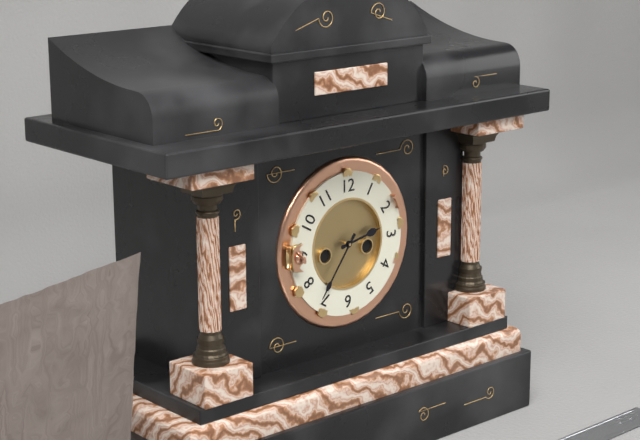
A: 2 h 36 min
